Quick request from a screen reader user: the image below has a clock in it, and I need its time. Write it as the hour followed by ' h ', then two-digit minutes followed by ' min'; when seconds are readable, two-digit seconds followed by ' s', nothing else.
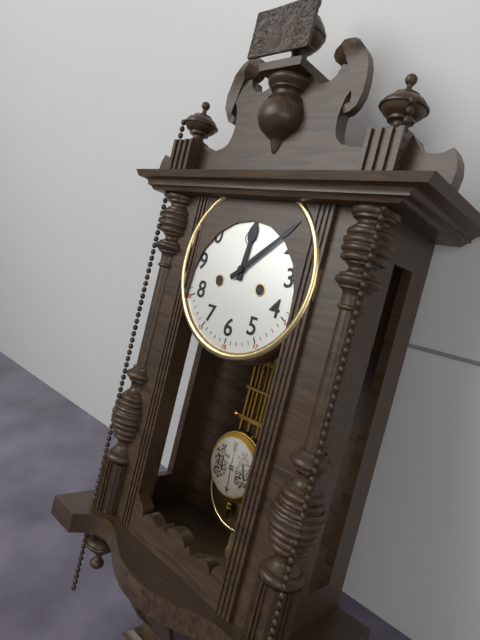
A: 12 h 08 min
